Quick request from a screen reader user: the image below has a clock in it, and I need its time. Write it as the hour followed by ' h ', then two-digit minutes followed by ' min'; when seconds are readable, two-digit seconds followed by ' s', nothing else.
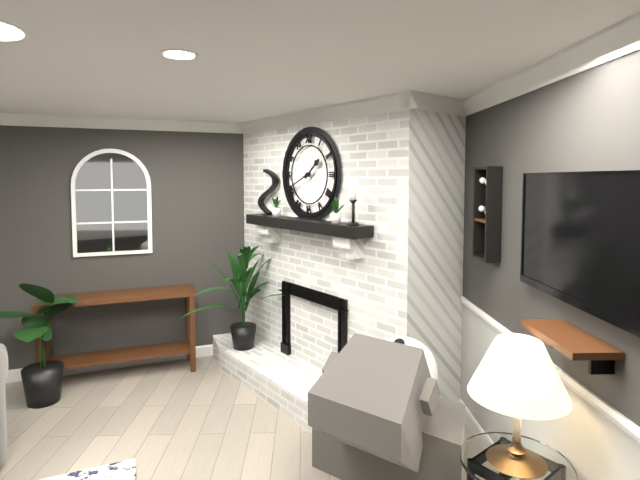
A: 1 h 41 min
